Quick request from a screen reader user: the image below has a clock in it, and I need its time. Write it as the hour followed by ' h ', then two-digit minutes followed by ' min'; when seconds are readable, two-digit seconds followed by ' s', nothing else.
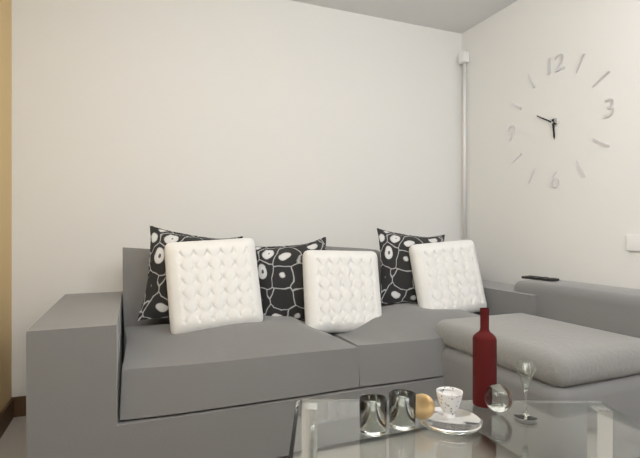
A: 5 h 50 min
